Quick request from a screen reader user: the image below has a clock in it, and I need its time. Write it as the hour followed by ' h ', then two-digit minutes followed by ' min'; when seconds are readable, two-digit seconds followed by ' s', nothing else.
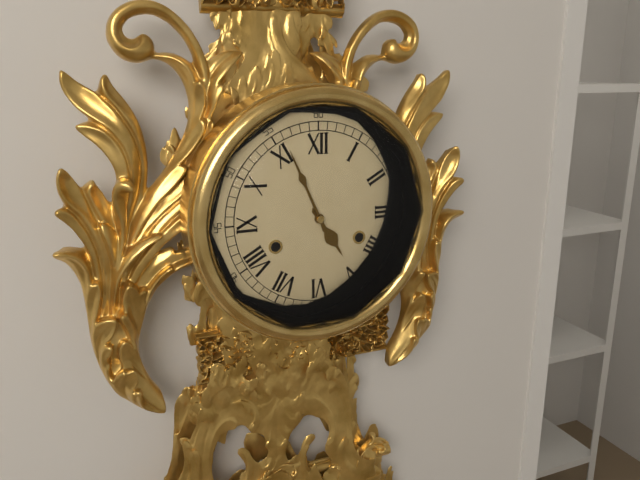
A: 4 h 56 min
